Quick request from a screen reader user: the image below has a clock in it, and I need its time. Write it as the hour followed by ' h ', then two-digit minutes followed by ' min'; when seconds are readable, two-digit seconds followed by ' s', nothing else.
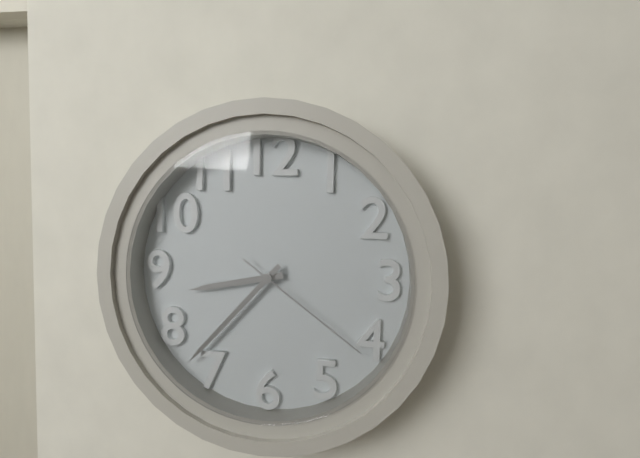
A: 8 h 37 min 21 s
